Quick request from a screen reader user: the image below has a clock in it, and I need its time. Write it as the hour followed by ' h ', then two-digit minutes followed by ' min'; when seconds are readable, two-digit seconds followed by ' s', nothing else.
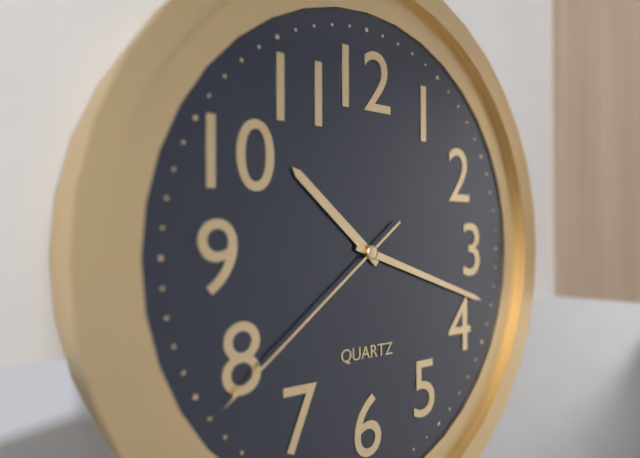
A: 10 h 18 min 39 s
